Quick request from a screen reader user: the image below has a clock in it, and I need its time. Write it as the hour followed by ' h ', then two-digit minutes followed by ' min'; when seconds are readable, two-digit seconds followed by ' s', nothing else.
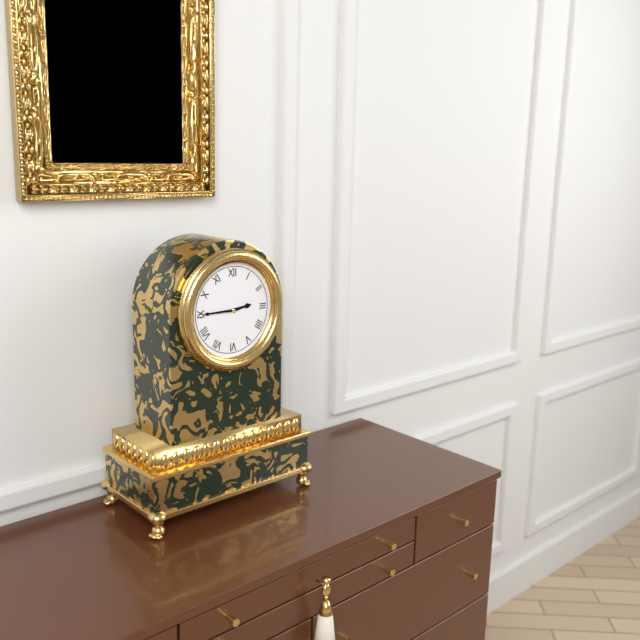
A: 2 h 45 min
